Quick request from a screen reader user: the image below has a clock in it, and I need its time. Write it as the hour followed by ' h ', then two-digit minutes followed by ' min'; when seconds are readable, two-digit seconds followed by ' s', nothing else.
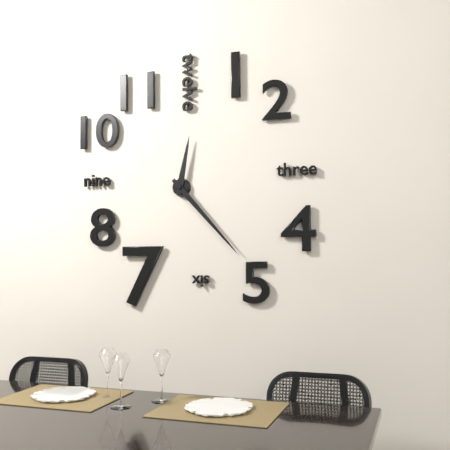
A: 12 h 23 min
